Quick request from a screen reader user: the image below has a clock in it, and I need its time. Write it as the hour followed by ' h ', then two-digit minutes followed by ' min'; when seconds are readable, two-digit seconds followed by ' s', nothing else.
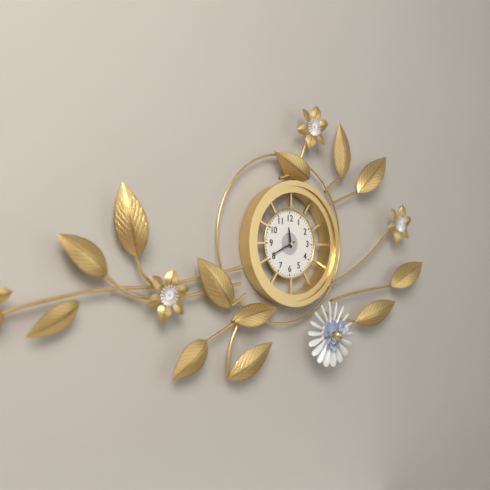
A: 11 h 41 min
